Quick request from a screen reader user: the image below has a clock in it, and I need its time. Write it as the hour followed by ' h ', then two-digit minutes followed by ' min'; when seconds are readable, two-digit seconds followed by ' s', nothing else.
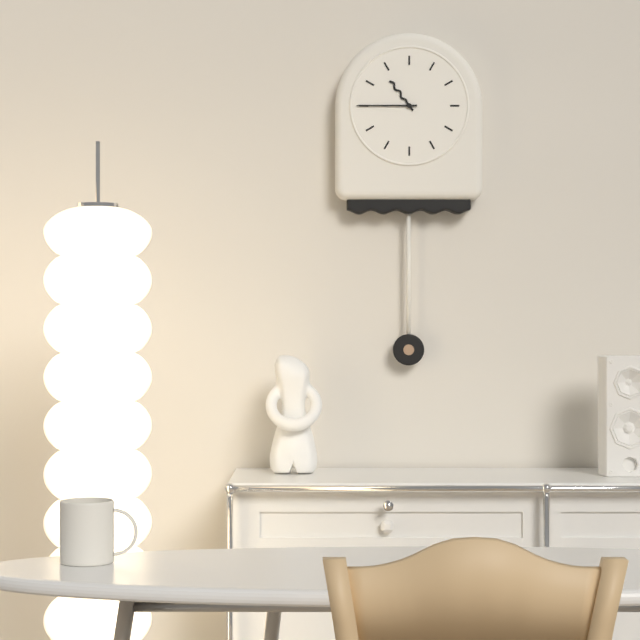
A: 10 h 45 min
